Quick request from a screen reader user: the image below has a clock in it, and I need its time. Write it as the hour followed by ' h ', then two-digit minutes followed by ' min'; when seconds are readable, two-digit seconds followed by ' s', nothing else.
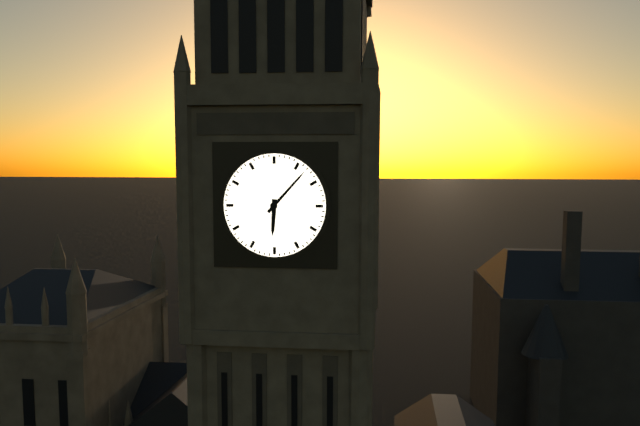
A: 6 h 07 min
